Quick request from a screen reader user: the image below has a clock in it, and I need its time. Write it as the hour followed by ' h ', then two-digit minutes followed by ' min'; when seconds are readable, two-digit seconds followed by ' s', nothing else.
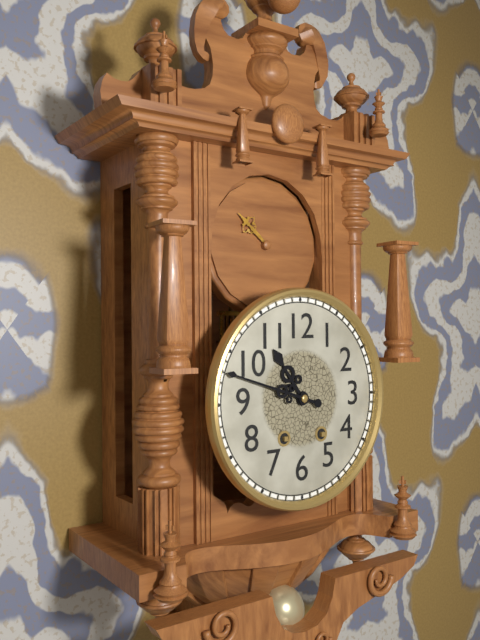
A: 10 h 48 min
